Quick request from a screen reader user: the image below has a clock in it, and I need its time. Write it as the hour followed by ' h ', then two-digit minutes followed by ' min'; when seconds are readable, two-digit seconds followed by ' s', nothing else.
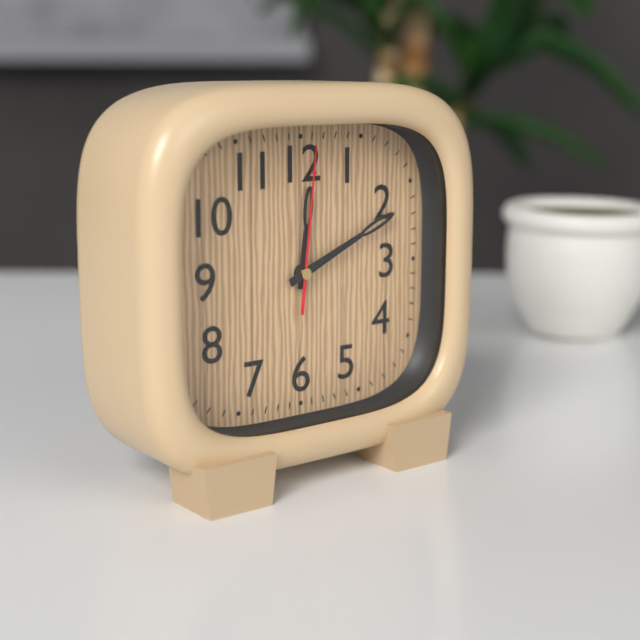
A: 12 h 11 min 01 s
